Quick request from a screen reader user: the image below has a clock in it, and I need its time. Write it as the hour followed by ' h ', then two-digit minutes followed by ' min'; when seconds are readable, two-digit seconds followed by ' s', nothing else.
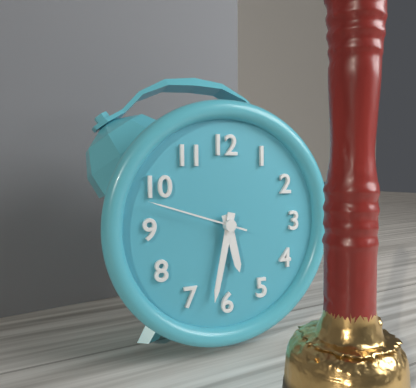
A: 5 h 32 min 48 s
